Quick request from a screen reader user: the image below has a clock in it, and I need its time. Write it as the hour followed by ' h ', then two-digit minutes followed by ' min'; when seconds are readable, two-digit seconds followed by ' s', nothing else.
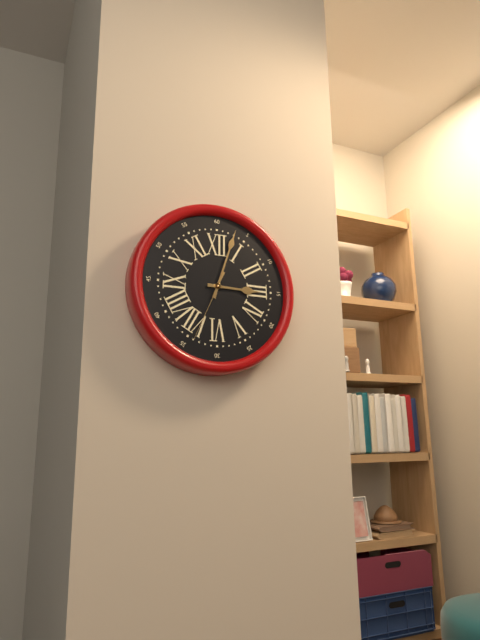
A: 3 h 03 min 34 s
